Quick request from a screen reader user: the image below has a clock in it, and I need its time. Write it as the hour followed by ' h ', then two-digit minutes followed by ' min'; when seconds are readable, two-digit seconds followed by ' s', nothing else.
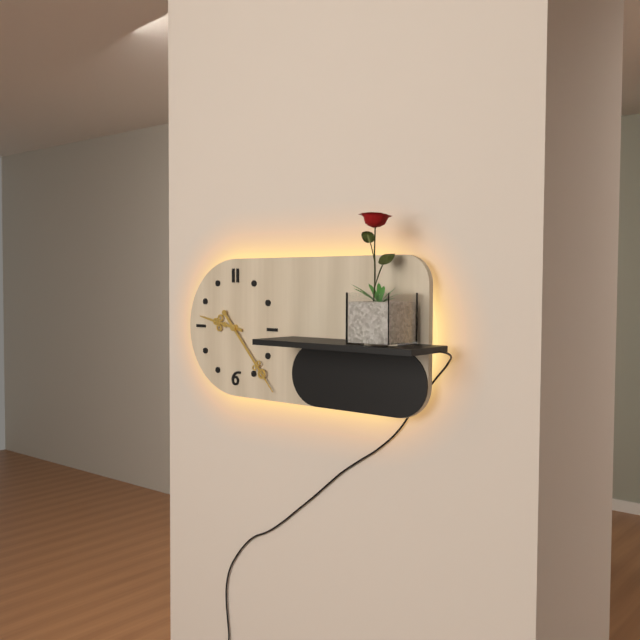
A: 9 h 23 min
